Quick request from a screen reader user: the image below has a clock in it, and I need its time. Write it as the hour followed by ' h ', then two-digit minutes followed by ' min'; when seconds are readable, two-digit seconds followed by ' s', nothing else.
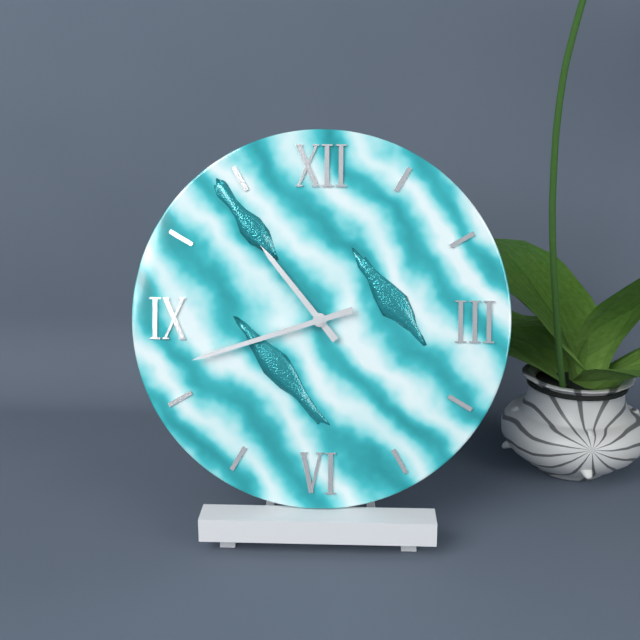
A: 10 h 42 min
